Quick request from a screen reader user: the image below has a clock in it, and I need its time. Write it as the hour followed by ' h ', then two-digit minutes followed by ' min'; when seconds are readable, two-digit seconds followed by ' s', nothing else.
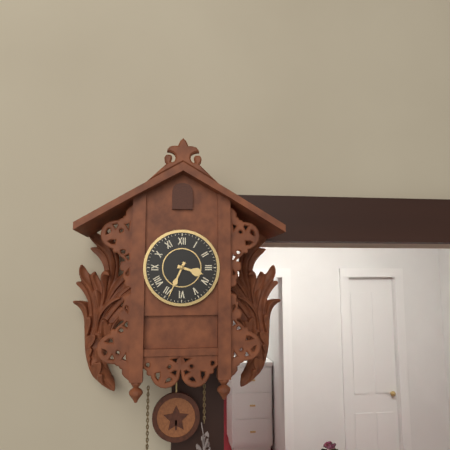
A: 3 h 34 min
